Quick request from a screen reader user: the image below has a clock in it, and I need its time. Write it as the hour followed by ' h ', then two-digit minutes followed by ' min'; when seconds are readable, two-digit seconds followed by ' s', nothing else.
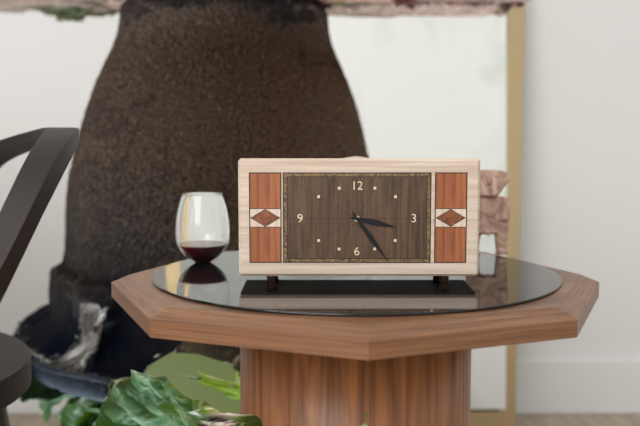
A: 3 h 24 min
